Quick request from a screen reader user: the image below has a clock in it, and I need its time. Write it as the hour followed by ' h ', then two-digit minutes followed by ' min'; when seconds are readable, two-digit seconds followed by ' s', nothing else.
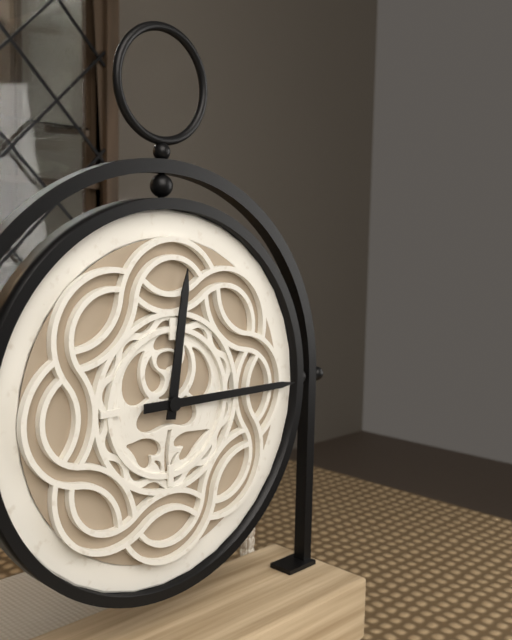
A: 12 h 15 min
